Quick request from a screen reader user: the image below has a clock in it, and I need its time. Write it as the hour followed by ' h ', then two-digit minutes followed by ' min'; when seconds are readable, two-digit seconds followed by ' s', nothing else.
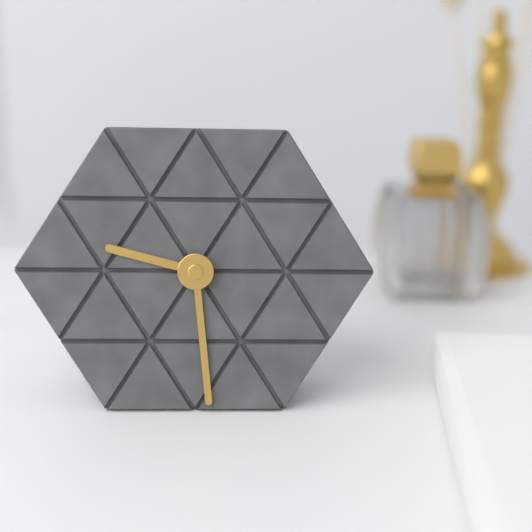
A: 9 h 29 min
